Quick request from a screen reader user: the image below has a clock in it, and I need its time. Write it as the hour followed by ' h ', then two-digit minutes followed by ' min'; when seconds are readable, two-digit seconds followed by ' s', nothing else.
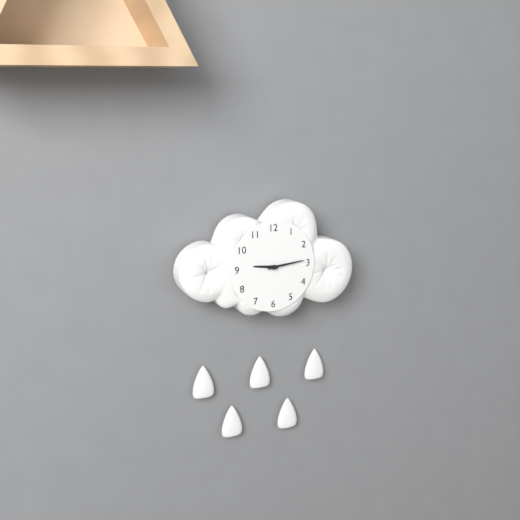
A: 9 h 14 min
